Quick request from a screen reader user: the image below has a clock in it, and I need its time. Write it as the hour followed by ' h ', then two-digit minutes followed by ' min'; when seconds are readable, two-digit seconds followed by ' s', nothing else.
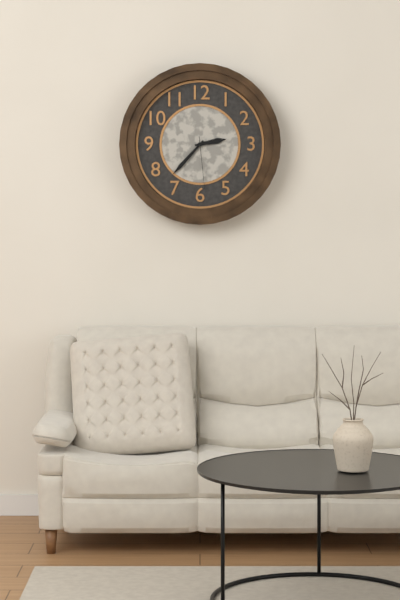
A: 2 h 37 min 29 s
